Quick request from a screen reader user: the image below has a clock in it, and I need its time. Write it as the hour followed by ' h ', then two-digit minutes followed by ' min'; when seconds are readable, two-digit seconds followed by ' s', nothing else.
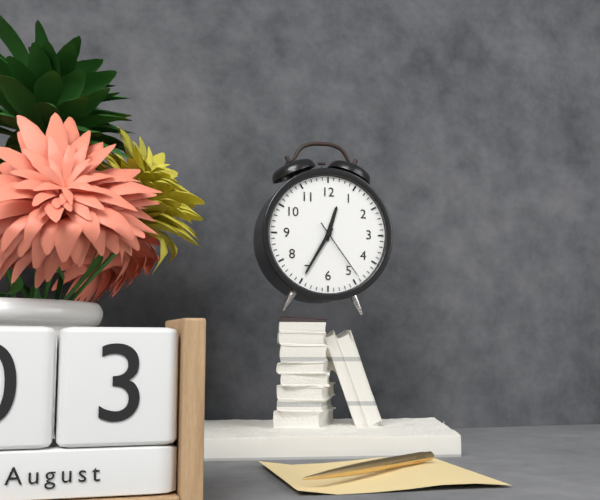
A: 12 h 35 min 24 s
